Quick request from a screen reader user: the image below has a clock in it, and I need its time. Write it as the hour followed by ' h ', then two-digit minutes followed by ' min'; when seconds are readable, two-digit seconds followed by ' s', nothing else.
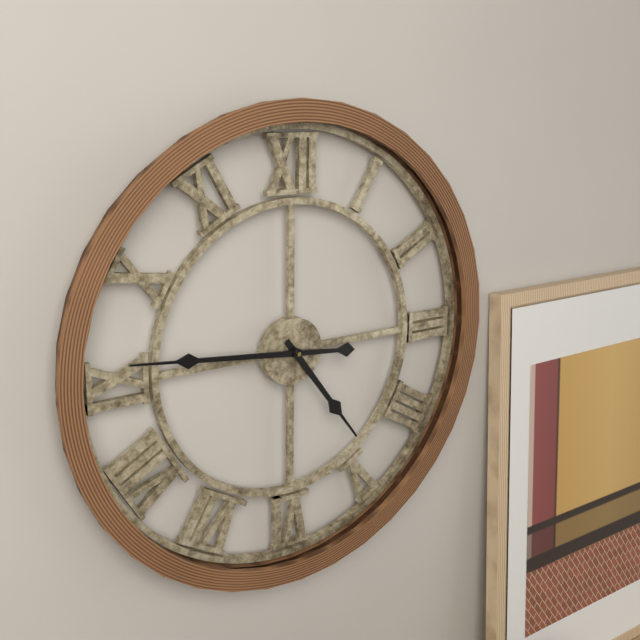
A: 4 h 46 min
